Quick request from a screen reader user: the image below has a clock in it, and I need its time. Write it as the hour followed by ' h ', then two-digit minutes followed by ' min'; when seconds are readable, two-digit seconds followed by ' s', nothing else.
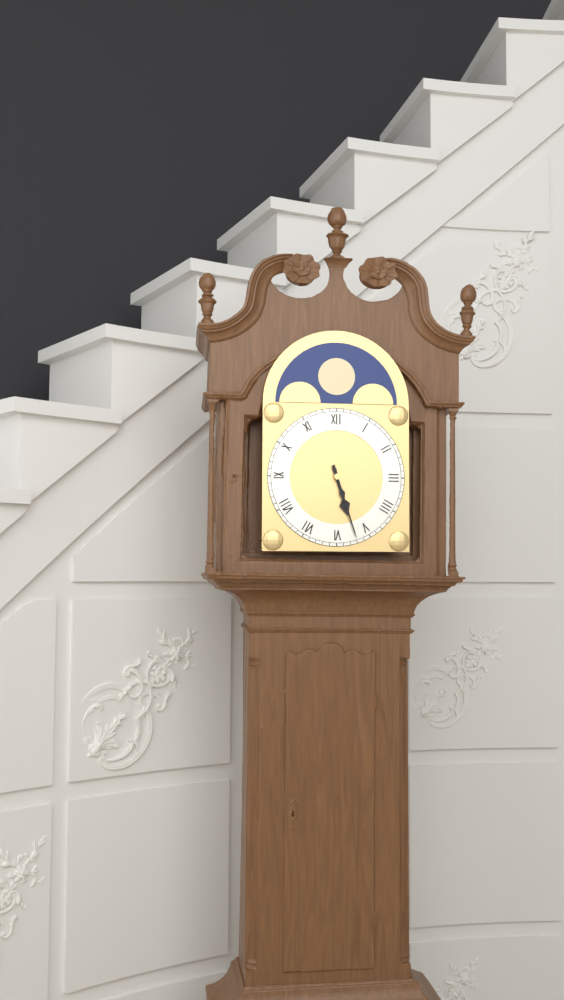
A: 5 h 27 min
